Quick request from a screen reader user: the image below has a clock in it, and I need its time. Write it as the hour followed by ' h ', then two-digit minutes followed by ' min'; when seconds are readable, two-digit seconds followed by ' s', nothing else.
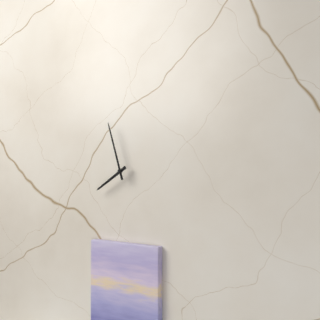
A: 7 h 57 min
